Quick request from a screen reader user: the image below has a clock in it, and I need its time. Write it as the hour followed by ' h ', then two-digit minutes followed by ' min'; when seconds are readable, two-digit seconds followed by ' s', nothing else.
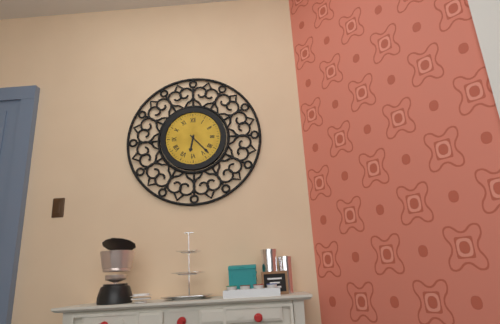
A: 6 h 23 min
